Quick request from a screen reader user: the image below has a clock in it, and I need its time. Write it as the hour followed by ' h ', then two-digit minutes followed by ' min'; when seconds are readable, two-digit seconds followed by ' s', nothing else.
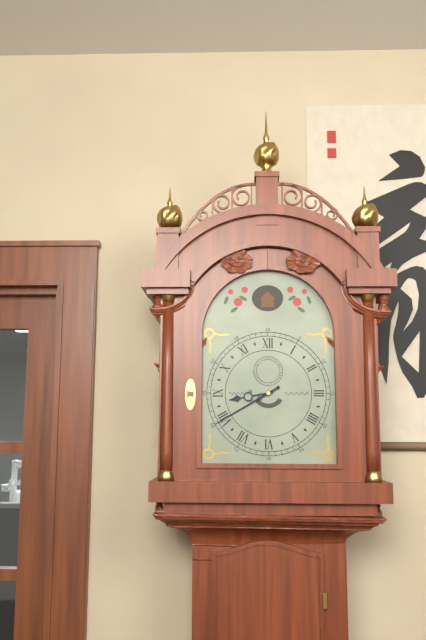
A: 8 h 40 min
